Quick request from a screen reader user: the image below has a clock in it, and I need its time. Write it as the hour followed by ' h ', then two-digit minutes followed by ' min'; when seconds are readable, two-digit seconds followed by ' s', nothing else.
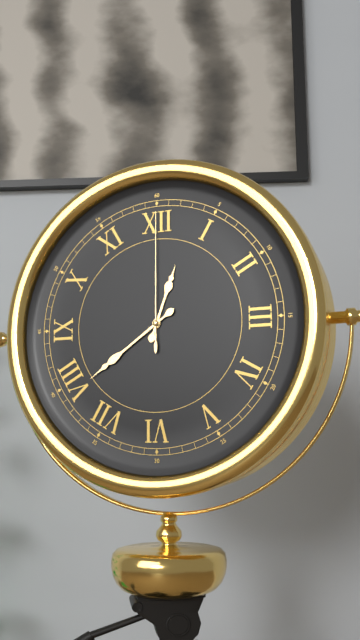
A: 12 h 39 min 00 s
